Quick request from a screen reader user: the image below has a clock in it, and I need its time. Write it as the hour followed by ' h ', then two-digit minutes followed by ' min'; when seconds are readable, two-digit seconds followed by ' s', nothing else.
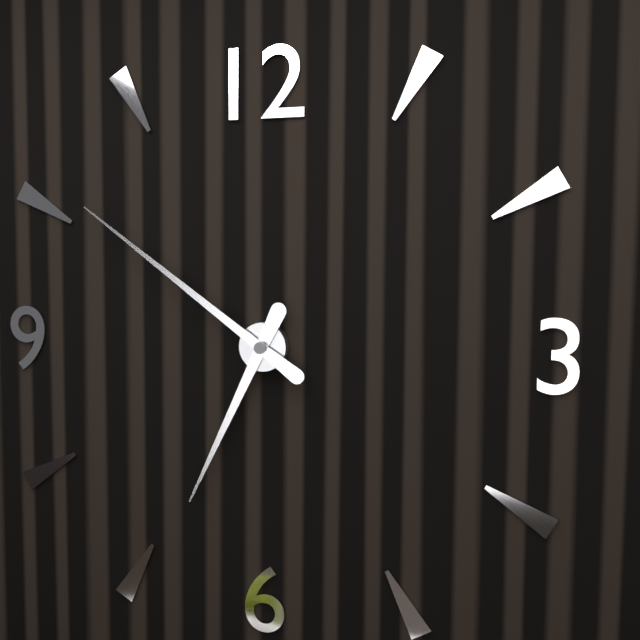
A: 6 h 51 min
